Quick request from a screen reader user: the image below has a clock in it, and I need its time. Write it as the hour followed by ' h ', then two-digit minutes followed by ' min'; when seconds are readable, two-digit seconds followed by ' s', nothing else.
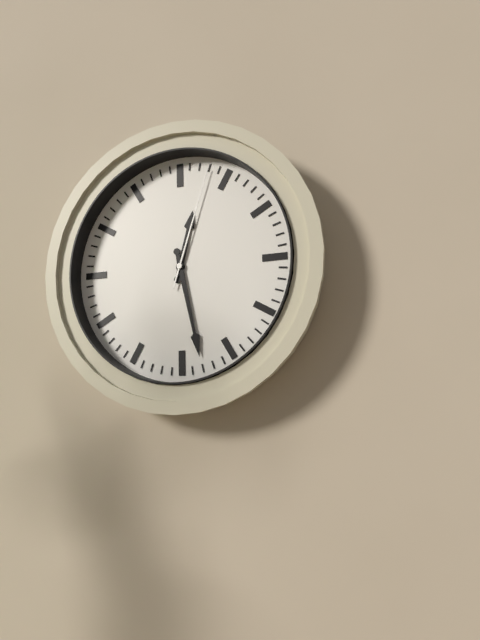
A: 12 h 28 min 03 s
